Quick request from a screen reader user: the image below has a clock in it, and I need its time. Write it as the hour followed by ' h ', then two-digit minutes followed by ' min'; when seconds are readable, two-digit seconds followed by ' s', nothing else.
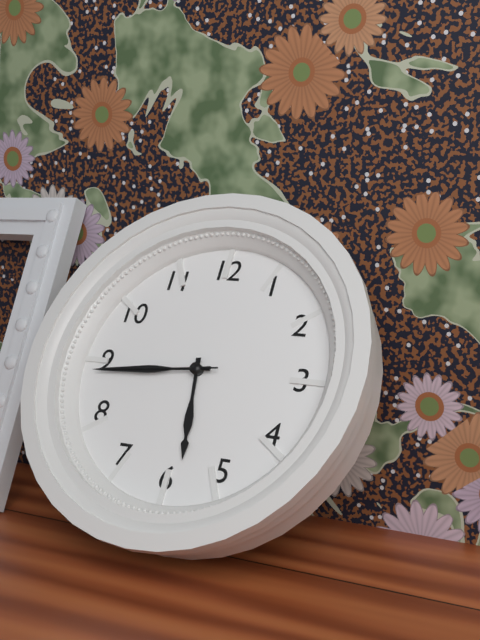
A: 5 h 44 min 44 s
